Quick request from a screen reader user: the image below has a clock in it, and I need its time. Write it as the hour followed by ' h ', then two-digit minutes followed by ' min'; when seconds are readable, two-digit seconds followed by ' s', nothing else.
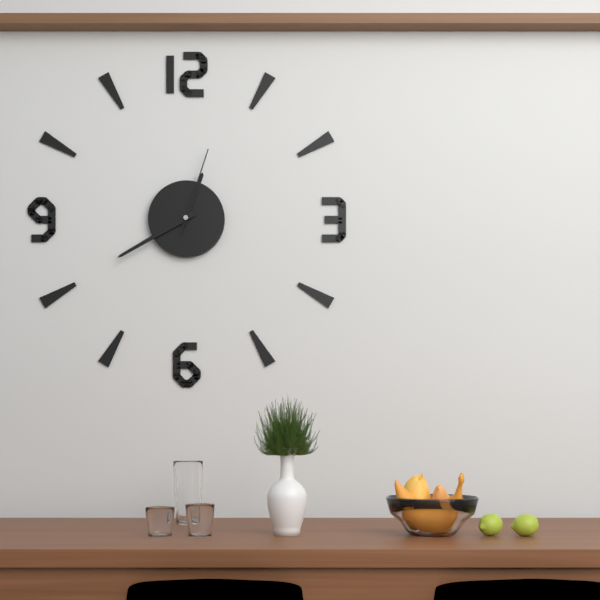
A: 12 h 40 min 03 s
